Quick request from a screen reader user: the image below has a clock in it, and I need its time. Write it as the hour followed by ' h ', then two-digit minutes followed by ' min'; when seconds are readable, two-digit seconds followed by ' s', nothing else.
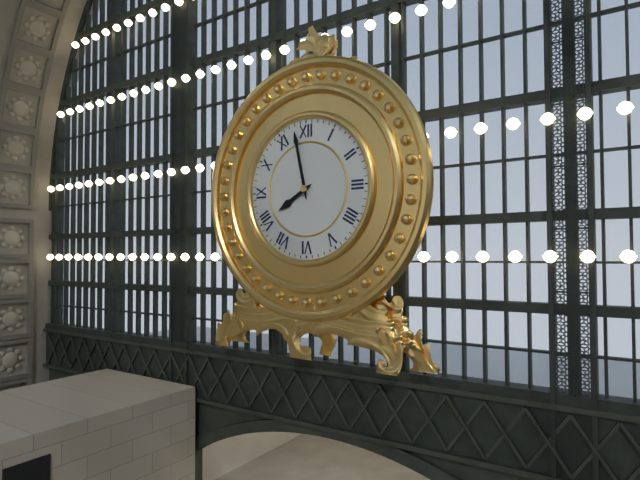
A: 7 h 58 min
